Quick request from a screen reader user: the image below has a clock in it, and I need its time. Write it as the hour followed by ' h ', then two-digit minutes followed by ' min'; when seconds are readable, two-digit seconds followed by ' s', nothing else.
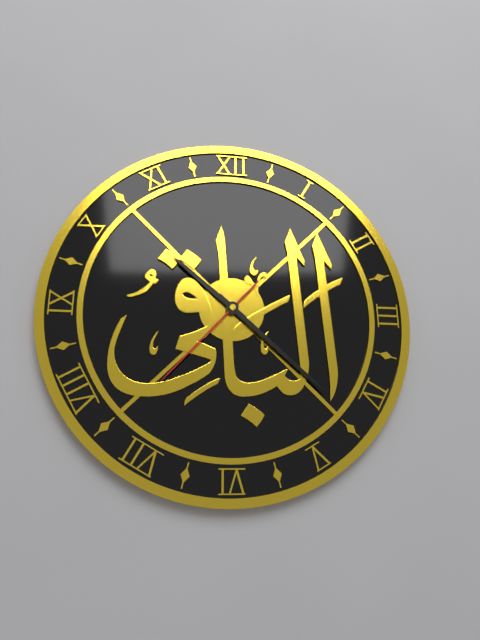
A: 10 h 22 min 37 s
